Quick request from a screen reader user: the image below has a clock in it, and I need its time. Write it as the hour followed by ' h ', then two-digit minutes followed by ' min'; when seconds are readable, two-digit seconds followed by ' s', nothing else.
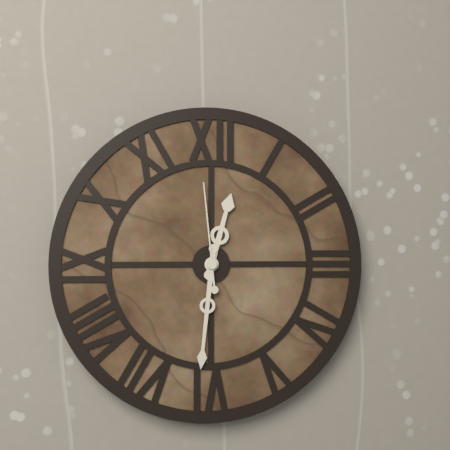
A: 12 h 31 min 59 s
